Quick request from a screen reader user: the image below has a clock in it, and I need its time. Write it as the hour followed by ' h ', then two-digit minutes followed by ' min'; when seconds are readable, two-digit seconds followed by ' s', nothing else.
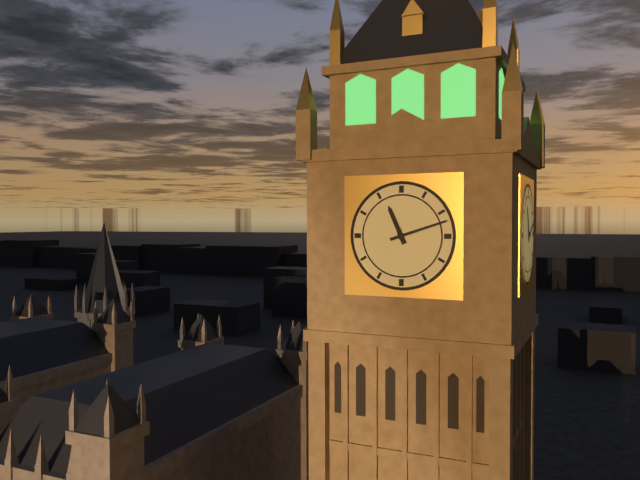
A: 11 h 12 min
